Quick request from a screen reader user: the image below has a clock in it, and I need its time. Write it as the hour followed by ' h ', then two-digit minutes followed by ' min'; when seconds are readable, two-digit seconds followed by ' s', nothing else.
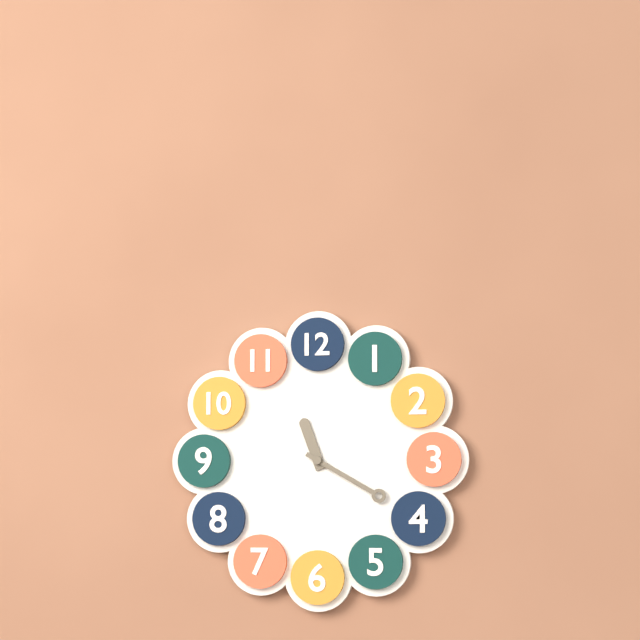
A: 11 h 20 min
